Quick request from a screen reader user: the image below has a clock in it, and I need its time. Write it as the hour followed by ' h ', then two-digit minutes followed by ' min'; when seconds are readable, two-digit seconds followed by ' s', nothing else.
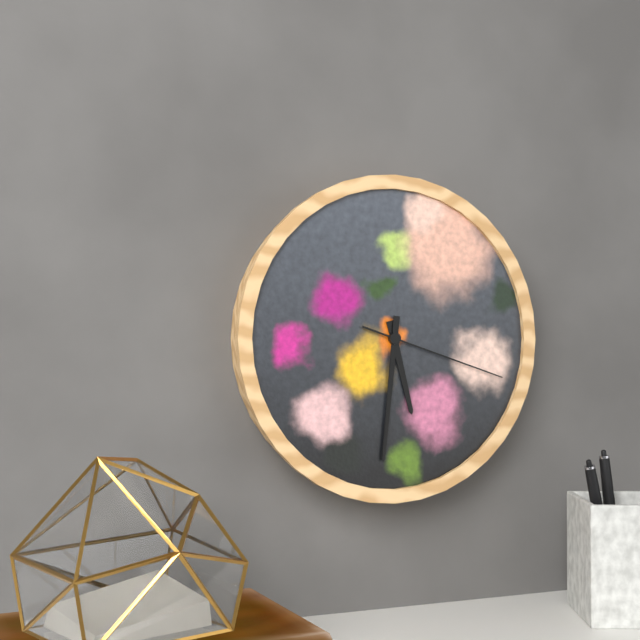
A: 5 h 31 min 18 s
